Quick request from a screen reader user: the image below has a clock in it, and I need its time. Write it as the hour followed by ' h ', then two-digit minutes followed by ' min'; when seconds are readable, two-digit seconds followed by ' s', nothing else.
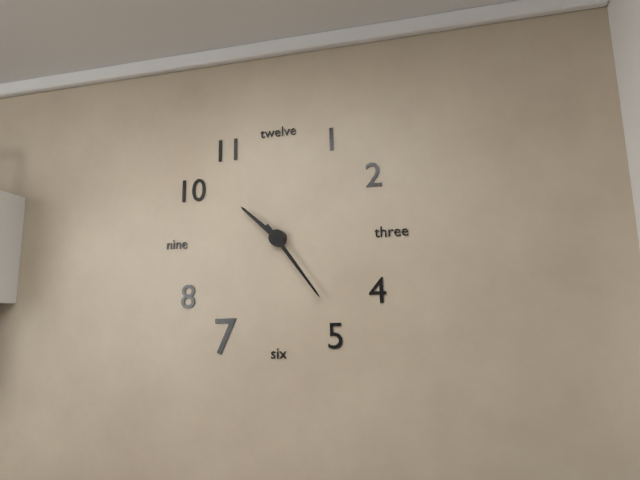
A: 10 h 24 min
